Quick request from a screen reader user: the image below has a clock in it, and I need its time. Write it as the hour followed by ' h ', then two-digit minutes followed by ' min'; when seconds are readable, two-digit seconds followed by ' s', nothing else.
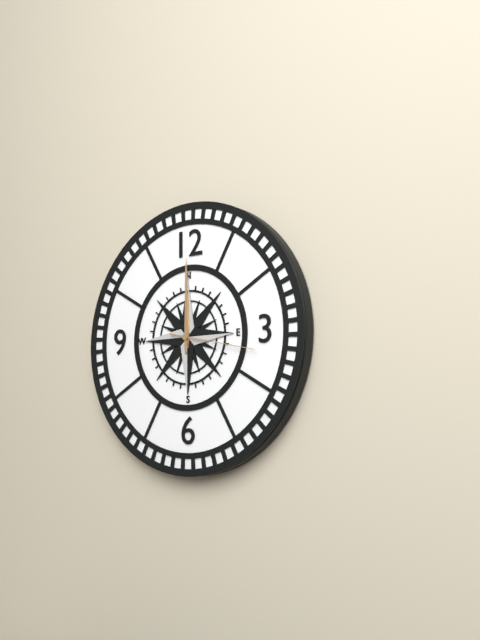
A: 12 h 00 min 17 s
